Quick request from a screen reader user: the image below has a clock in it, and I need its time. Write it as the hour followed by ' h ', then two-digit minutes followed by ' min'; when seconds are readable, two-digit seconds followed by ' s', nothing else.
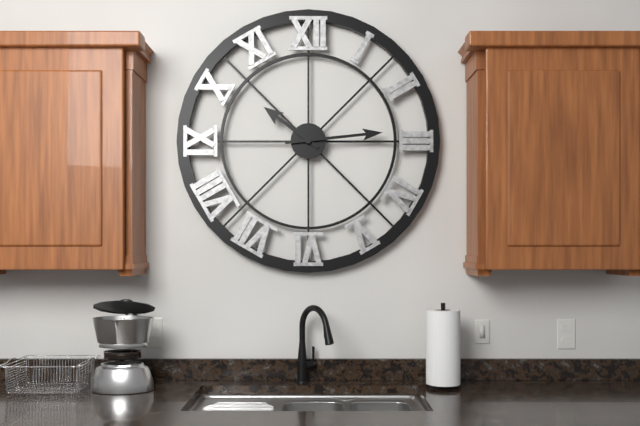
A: 10 h 14 min
